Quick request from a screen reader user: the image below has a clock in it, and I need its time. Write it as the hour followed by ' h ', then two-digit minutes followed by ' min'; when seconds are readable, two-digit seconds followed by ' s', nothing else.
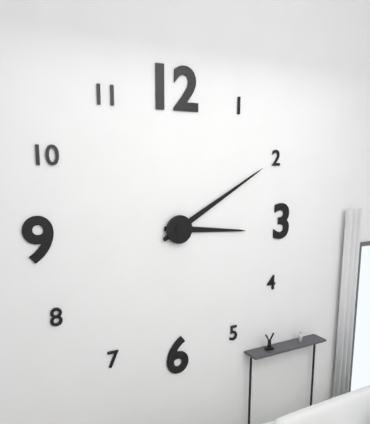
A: 3 h 10 min
